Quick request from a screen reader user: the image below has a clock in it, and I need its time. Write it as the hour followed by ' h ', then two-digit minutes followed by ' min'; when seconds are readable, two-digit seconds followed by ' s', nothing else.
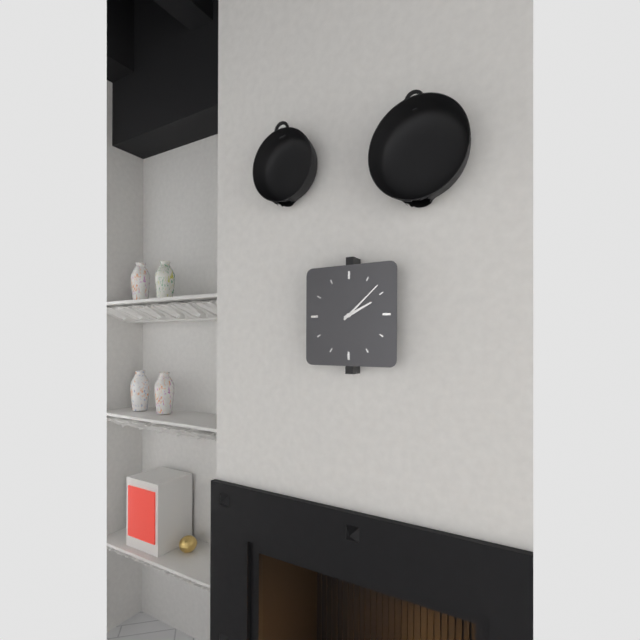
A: 2 h 08 min
